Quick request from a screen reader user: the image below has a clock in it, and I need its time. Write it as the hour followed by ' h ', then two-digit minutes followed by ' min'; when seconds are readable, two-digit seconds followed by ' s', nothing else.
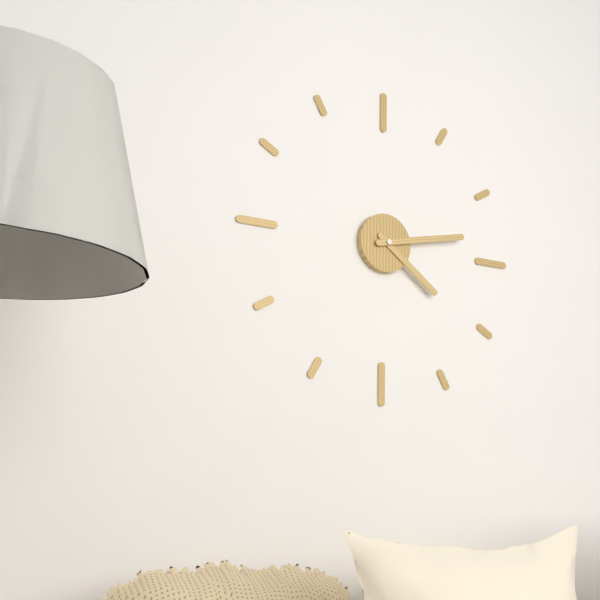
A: 4 h 13 min
